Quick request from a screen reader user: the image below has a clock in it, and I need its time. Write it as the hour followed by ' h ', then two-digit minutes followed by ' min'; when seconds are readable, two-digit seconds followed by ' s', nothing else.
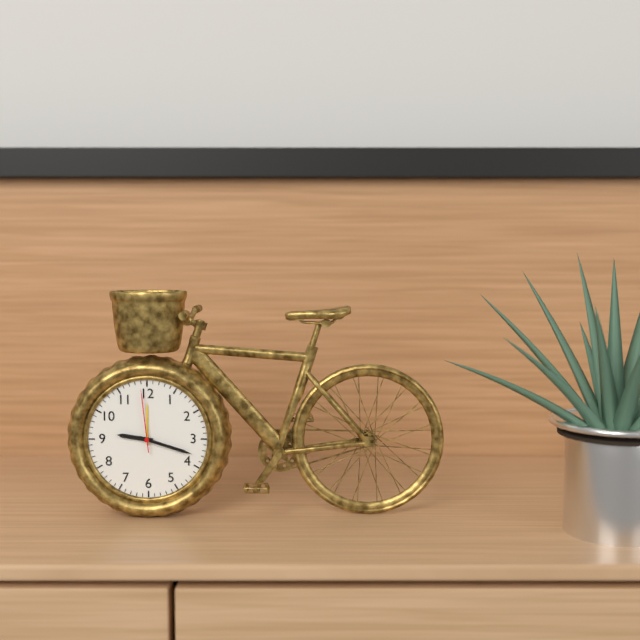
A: 9 h 18 min 59 s
